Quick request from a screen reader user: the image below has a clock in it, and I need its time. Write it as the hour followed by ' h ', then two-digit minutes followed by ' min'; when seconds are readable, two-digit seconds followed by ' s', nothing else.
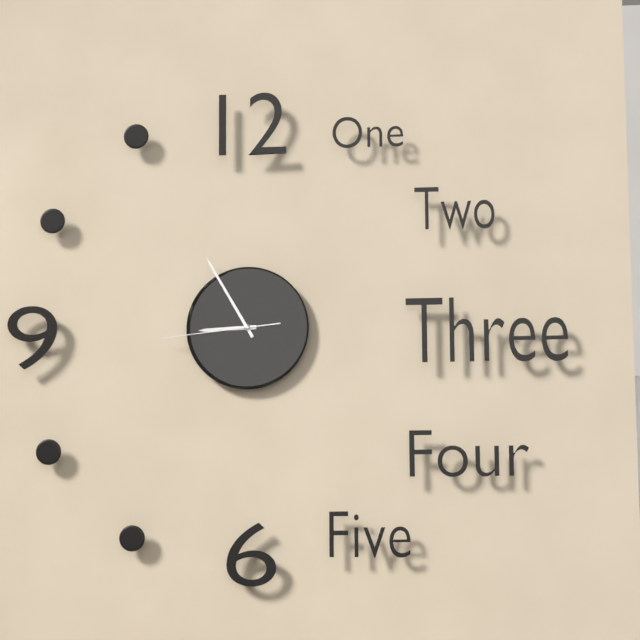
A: 8 h 55 min 44 s
